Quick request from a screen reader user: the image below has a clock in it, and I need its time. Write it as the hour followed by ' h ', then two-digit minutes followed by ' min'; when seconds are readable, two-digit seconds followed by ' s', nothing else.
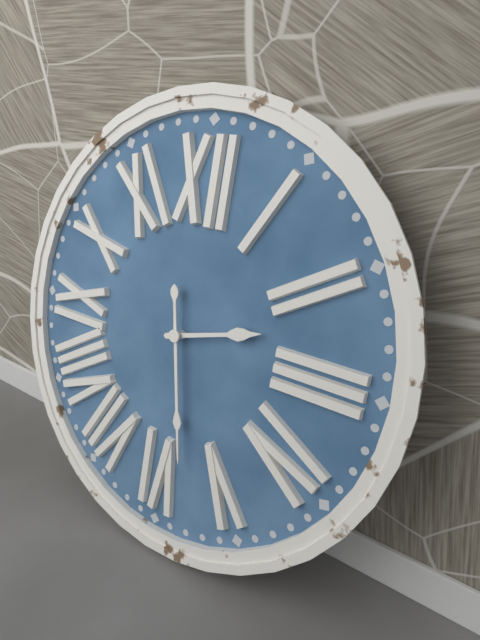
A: 2 h 28 min
